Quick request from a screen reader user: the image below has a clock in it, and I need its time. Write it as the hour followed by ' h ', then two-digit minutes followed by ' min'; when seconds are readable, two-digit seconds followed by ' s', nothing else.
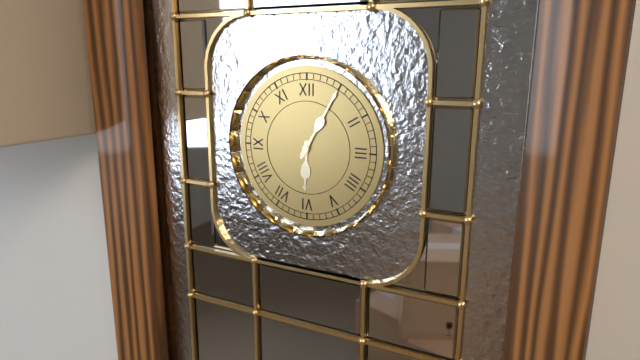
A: 6 h 05 min
